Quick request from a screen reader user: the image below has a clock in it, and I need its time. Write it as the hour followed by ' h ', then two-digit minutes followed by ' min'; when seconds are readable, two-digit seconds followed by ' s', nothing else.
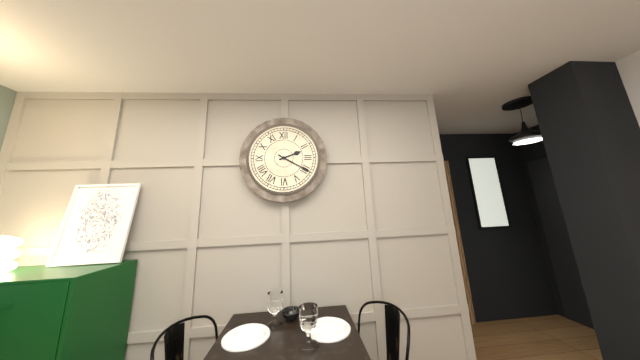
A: 2 h 20 min
